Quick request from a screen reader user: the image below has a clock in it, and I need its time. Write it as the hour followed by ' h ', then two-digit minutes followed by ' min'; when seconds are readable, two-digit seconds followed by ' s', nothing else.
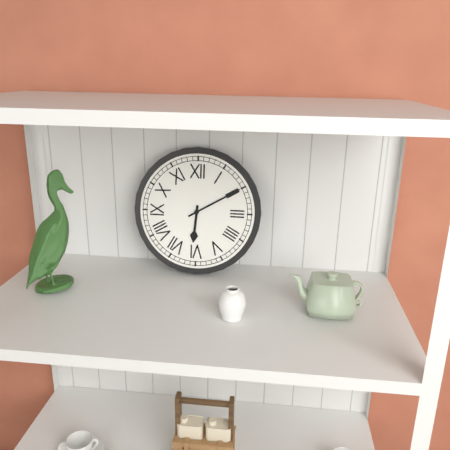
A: 6 h 10 min
